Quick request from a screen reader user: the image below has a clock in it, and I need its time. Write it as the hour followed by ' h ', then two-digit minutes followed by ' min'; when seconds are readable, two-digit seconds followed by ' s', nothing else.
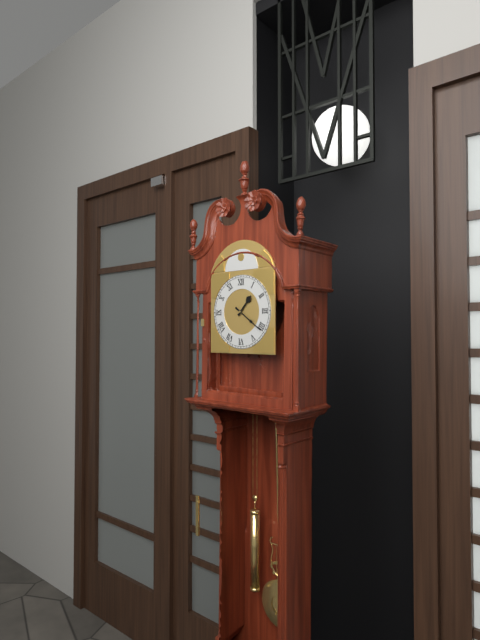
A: 1 h 21 min
